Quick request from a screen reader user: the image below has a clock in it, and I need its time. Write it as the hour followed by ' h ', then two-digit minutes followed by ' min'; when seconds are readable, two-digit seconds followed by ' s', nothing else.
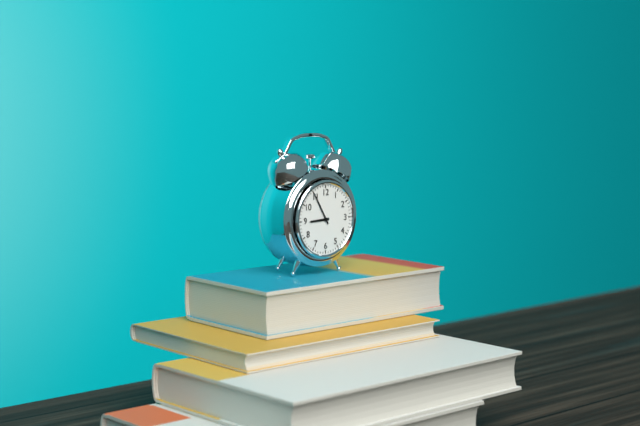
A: 8 h 55 min
